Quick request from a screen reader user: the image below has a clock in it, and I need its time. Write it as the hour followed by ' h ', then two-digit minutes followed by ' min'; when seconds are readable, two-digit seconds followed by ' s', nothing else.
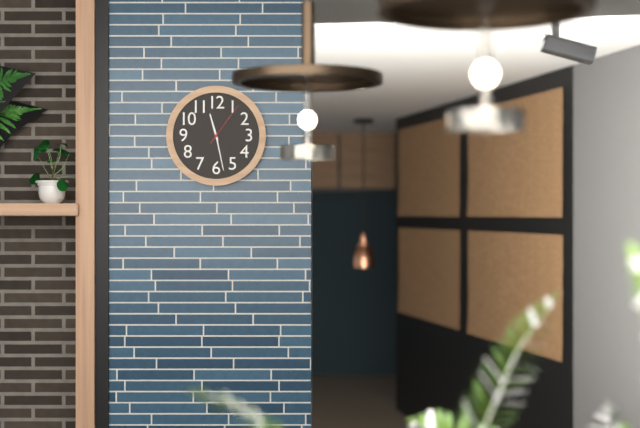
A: 11 h 28 min
